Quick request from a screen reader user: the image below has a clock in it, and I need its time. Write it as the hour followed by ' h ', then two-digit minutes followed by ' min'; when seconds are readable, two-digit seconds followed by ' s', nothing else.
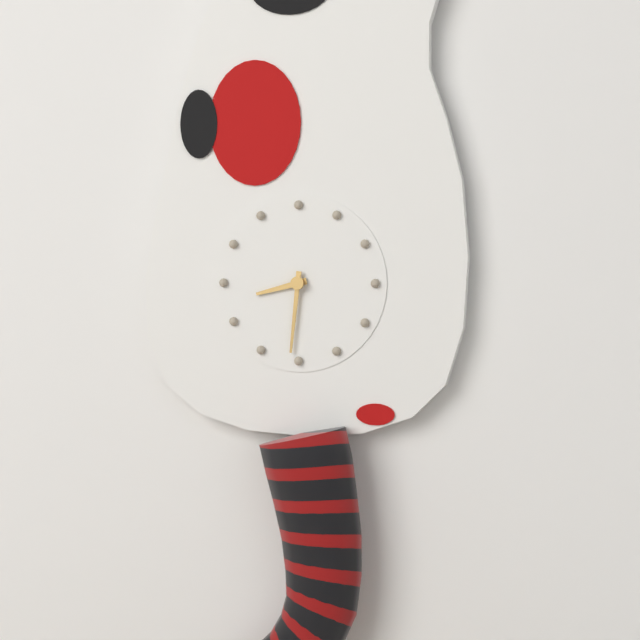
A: 8 h 31 min
